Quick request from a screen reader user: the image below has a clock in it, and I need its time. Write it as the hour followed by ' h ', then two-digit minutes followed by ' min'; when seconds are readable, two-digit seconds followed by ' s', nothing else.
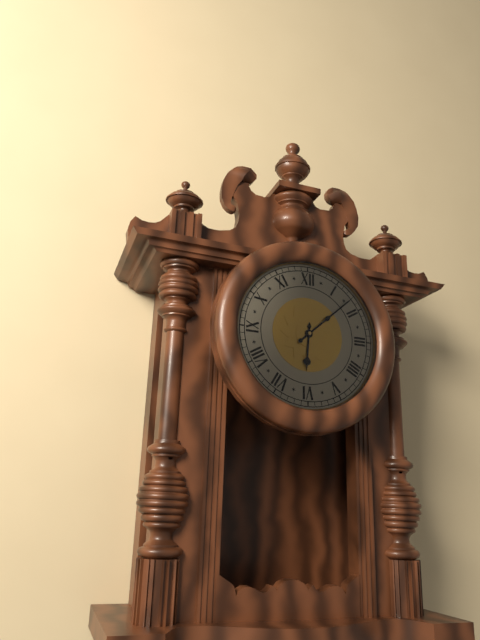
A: 6 h 08 min
